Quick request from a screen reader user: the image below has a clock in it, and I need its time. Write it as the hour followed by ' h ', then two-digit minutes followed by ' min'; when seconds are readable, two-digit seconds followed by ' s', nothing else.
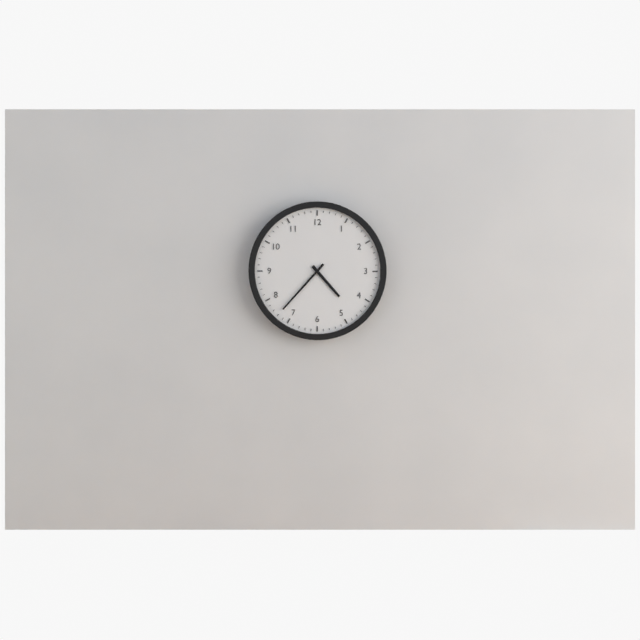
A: 4 h 37 min
